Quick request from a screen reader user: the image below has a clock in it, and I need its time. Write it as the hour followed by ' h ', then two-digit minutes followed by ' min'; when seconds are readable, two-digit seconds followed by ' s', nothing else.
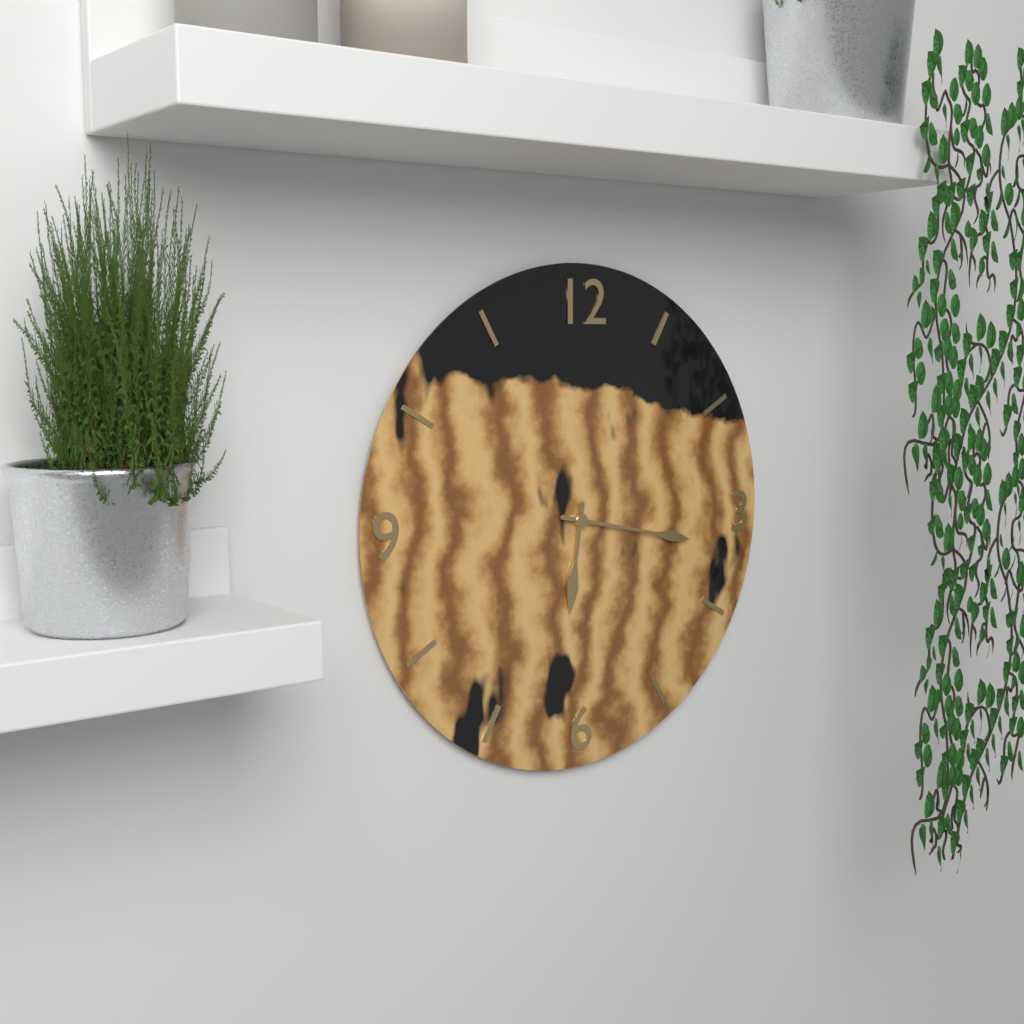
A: 6 h 17 min
